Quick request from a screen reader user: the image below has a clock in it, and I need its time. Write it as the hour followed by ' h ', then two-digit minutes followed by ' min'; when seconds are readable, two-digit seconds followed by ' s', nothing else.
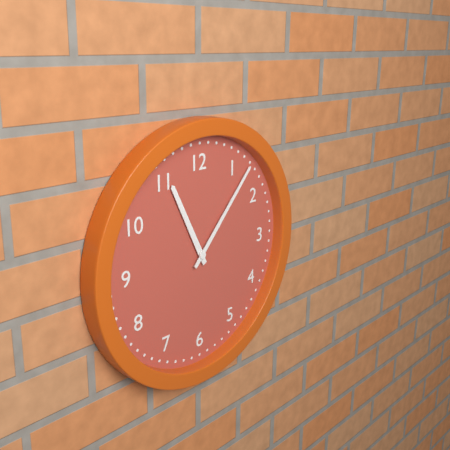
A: 11 h 07 min
